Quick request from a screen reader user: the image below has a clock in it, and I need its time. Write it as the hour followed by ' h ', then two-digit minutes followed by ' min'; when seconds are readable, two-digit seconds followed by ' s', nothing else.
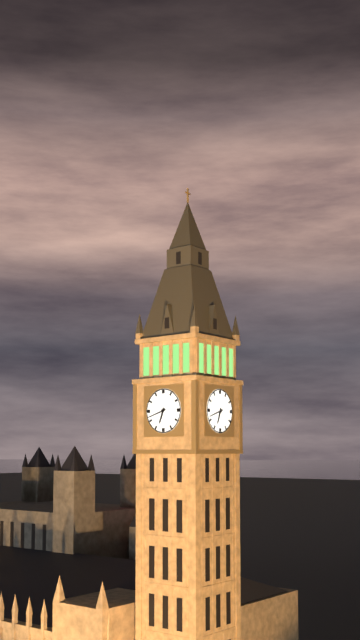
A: 6 h 42 min
